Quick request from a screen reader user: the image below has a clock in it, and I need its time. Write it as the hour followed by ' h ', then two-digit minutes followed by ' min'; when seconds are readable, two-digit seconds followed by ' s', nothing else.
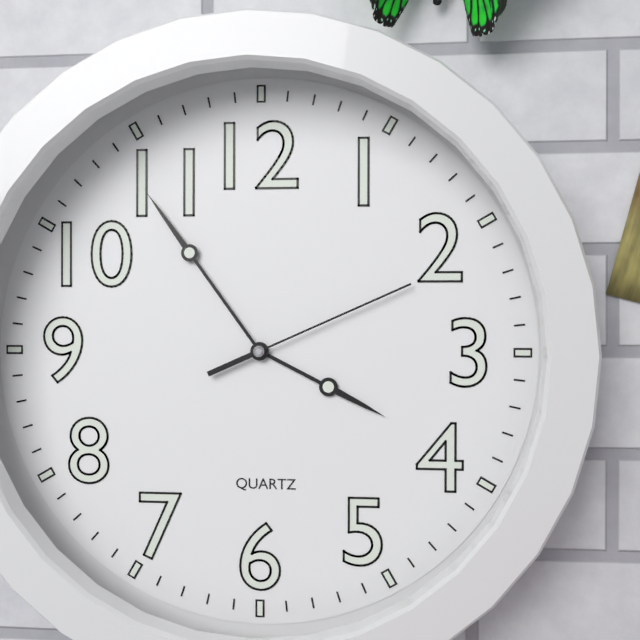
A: 3 h 54 min 11 s
